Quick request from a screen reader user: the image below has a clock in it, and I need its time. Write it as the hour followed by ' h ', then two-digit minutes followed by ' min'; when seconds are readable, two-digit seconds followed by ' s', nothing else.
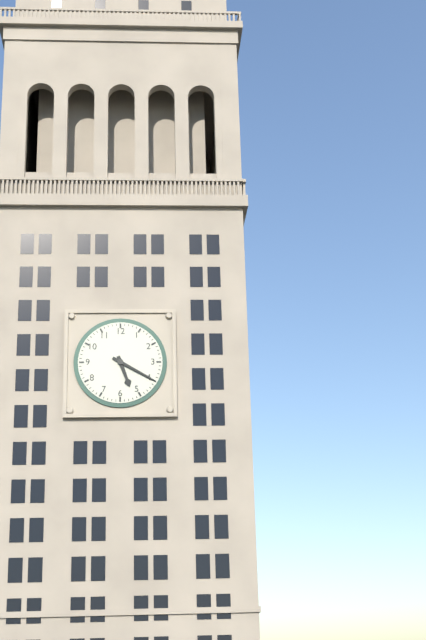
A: 5 h 20 min
